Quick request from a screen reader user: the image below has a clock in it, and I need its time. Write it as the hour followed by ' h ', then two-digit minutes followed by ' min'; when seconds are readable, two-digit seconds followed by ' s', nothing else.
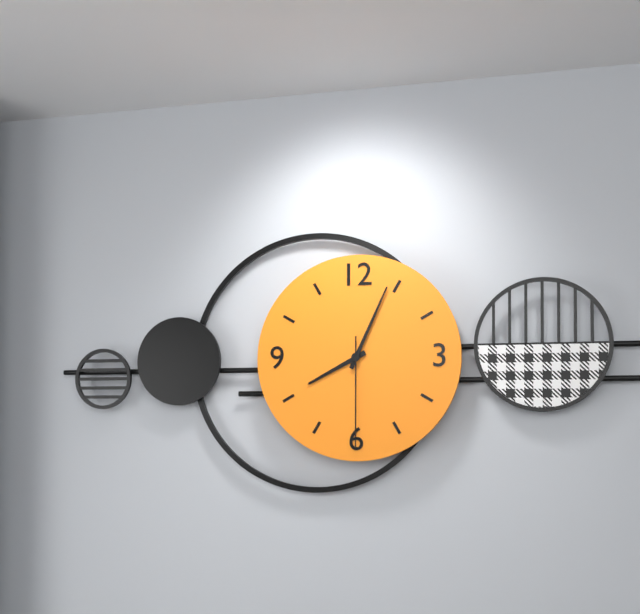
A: 8 h 04 min 30 s
